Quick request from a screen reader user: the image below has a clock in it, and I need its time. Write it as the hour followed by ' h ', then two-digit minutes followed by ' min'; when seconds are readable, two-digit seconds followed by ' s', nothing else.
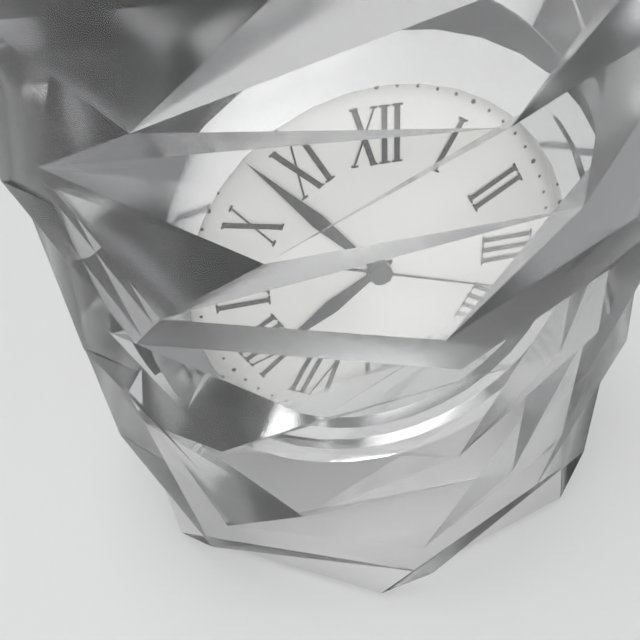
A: 7 h 53 min 18 s
